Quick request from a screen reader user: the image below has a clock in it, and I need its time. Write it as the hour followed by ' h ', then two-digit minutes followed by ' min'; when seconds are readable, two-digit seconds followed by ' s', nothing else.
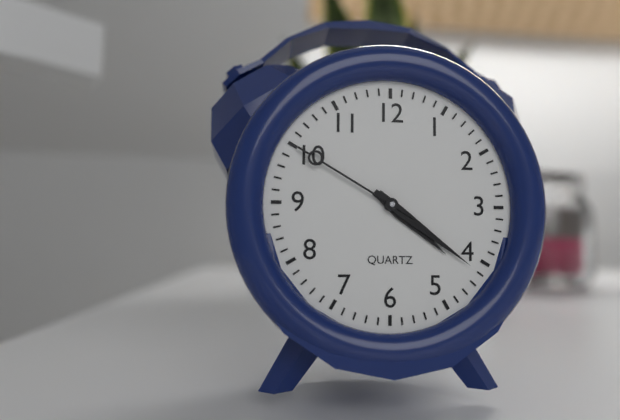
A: 4 h 21 min 50 s
